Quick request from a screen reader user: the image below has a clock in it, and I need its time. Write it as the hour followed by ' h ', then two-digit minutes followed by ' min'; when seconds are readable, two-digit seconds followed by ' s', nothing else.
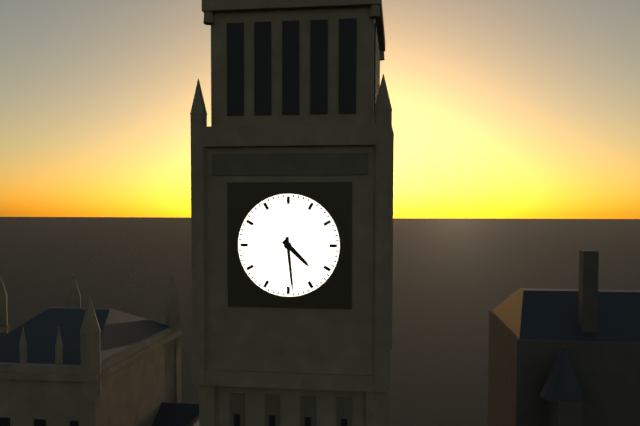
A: 4 h 29 min
